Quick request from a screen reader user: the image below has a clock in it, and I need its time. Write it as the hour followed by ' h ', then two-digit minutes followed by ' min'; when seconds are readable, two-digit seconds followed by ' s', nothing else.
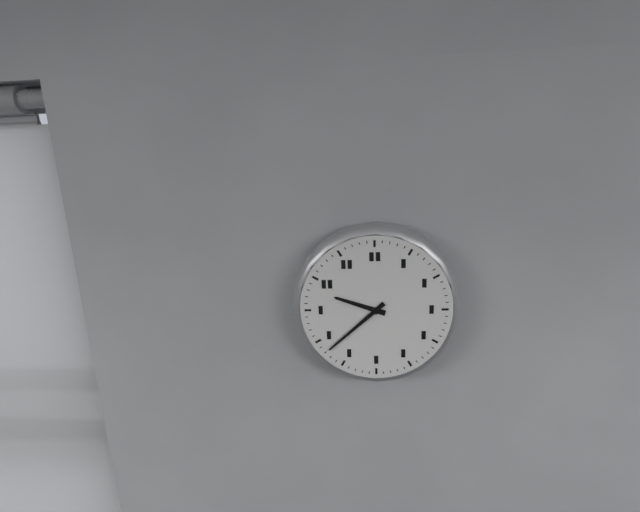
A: 9 h 38 min
